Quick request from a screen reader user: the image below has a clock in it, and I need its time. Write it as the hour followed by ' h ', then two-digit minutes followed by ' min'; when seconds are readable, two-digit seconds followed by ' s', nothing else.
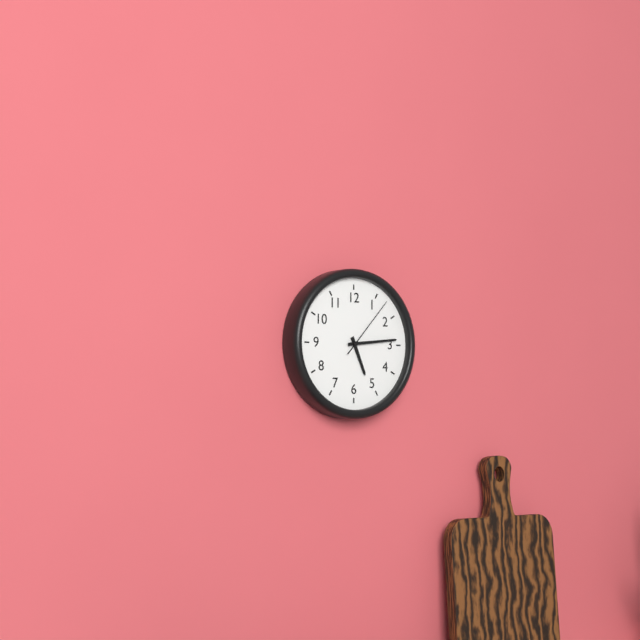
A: 5 h 14 min 07 s
